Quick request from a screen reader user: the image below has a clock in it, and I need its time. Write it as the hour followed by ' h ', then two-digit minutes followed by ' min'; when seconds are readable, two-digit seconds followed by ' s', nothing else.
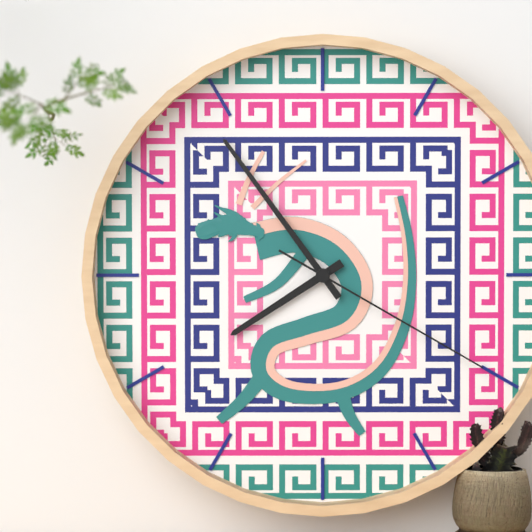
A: 7 h 54 min 20 s
